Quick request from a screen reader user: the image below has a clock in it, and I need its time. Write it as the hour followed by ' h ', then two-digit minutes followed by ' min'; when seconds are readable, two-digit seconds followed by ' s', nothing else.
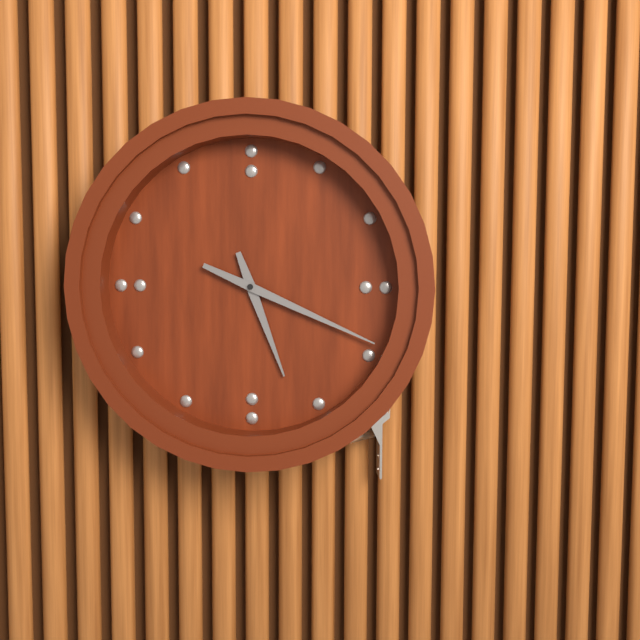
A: 5 h 19 min
